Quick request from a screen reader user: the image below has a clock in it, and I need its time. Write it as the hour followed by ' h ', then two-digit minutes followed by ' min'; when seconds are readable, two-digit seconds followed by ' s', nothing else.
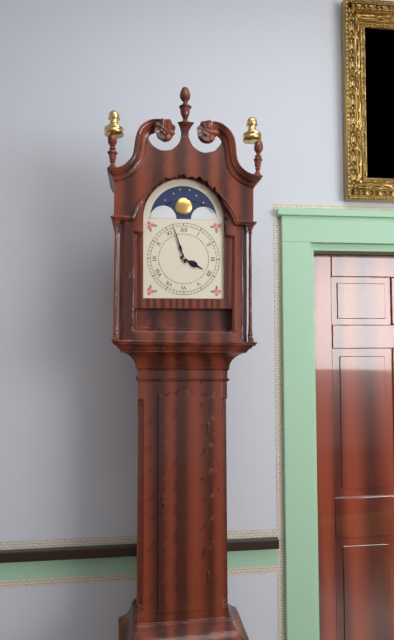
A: 3 h 57 min
